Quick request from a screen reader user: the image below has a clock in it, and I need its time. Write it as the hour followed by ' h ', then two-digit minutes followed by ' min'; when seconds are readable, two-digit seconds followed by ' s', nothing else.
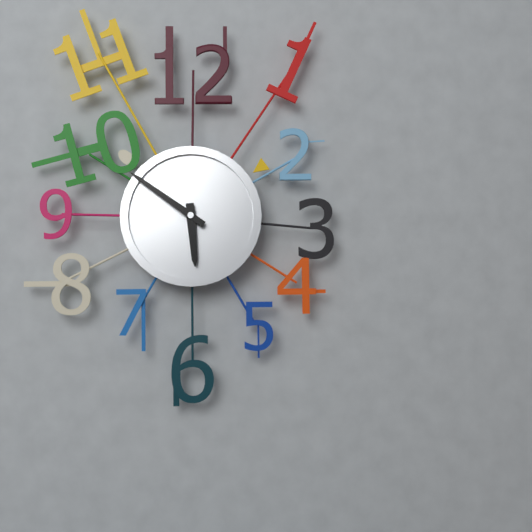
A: 5 h 51 min
